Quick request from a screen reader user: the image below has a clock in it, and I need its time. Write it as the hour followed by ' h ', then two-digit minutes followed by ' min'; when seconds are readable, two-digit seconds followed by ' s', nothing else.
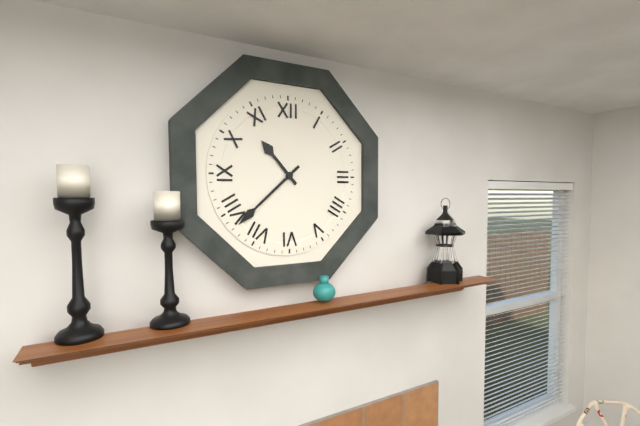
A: 10 h 38 min
